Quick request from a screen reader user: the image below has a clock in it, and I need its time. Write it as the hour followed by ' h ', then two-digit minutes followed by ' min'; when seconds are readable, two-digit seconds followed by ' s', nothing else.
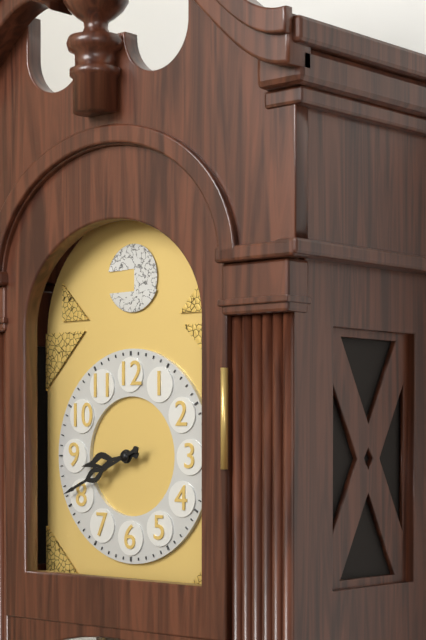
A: 8 h 41 min
